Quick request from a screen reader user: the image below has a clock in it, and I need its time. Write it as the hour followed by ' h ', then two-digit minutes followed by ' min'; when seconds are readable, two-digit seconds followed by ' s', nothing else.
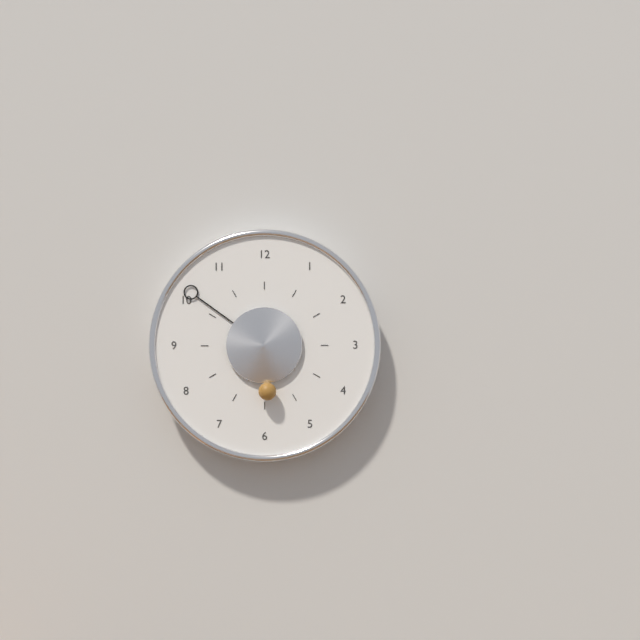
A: 5 h 51 min
